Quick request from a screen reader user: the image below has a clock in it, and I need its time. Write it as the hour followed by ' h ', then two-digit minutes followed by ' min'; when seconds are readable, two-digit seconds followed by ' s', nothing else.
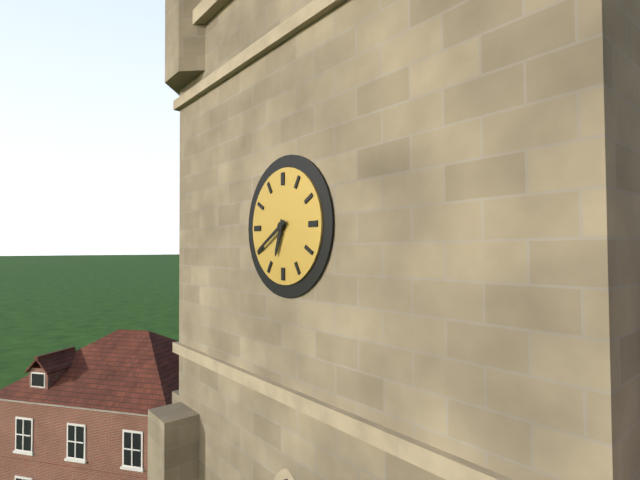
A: 6 h 40 min
